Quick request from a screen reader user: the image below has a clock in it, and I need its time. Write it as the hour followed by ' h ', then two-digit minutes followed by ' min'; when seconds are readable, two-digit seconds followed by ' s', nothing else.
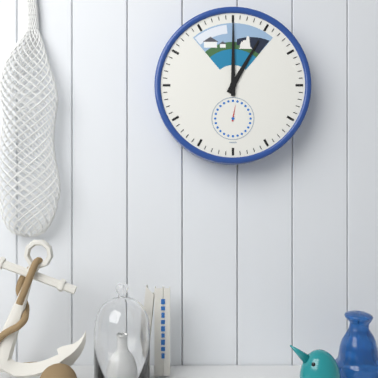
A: 1 h 00 min
